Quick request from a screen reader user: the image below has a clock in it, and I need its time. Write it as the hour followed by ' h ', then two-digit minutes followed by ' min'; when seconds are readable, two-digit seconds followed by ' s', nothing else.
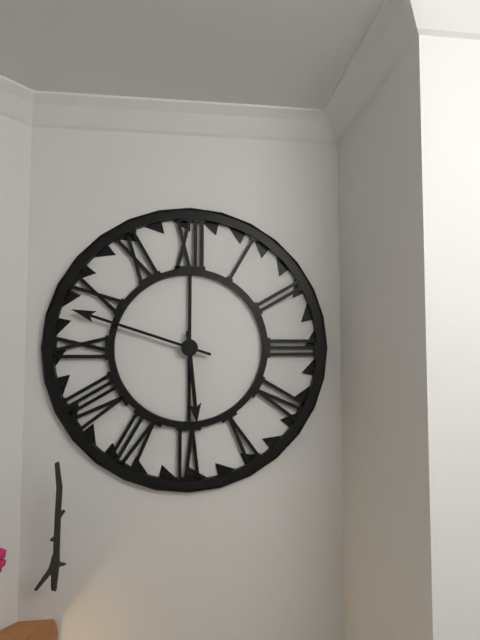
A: 5 h 48 min
